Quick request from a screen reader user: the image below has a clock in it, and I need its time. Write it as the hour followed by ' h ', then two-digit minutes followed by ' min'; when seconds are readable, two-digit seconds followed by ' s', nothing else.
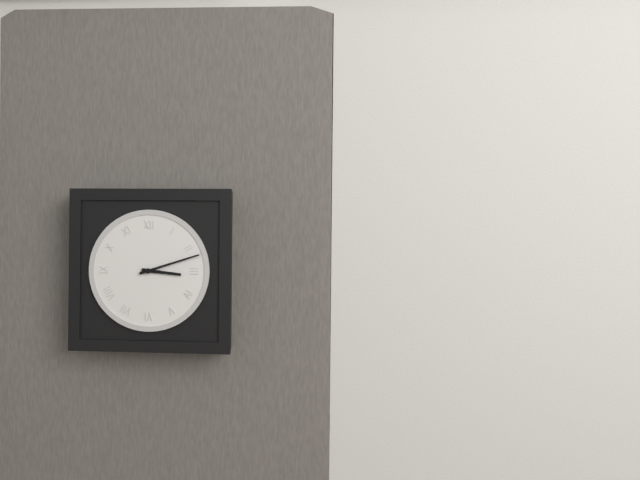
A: 3 h 12 min
